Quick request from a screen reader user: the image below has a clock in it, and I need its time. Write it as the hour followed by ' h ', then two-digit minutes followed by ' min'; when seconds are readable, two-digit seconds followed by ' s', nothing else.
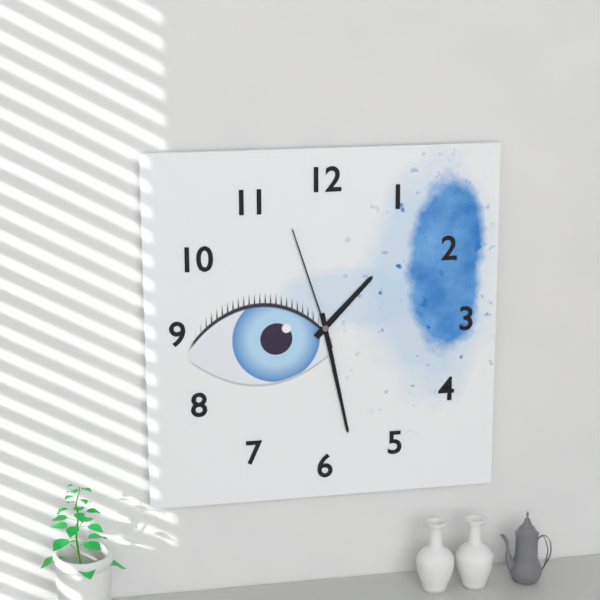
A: 1 h 28 min 57 s
